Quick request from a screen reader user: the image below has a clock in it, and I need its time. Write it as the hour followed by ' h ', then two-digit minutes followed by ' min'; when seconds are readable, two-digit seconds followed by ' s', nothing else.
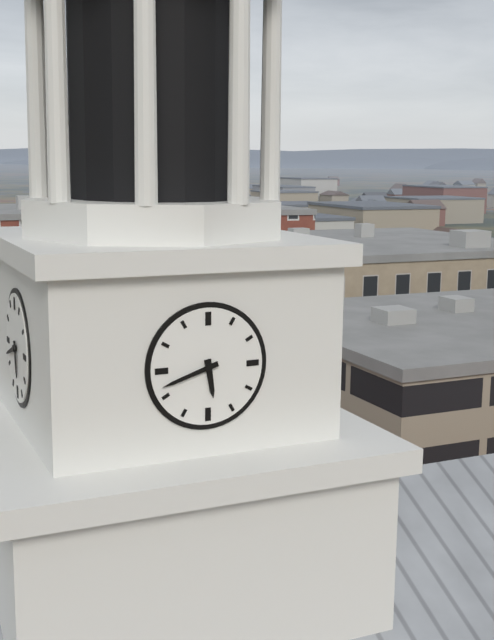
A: 5 h 42 min
